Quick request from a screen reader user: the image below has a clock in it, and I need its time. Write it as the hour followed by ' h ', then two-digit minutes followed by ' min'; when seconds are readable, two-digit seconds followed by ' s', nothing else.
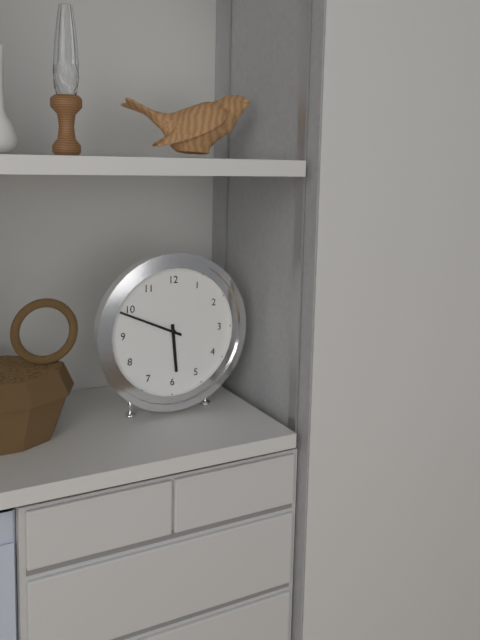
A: 5 h 49 min
